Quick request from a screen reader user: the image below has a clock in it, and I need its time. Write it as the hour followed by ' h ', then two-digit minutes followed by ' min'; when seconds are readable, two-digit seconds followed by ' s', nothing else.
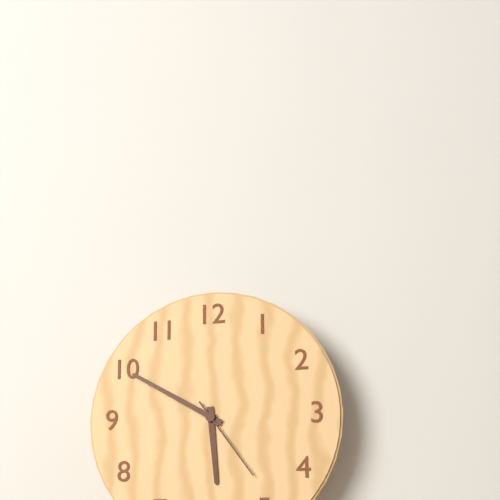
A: 5 h 50 min 24 s
